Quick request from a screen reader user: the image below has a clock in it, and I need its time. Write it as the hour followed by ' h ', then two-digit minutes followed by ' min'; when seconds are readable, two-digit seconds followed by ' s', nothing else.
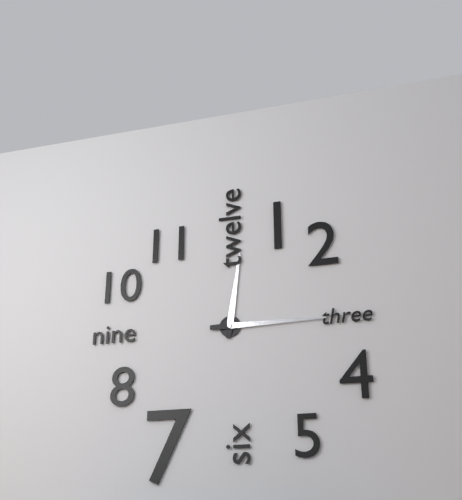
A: 12 h 15 min
